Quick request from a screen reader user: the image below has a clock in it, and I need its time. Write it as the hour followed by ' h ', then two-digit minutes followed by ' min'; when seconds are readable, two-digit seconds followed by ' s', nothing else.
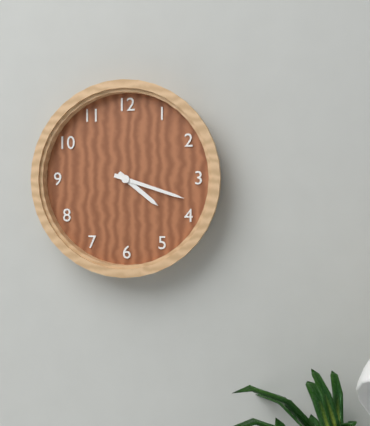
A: 4 h 18 min
